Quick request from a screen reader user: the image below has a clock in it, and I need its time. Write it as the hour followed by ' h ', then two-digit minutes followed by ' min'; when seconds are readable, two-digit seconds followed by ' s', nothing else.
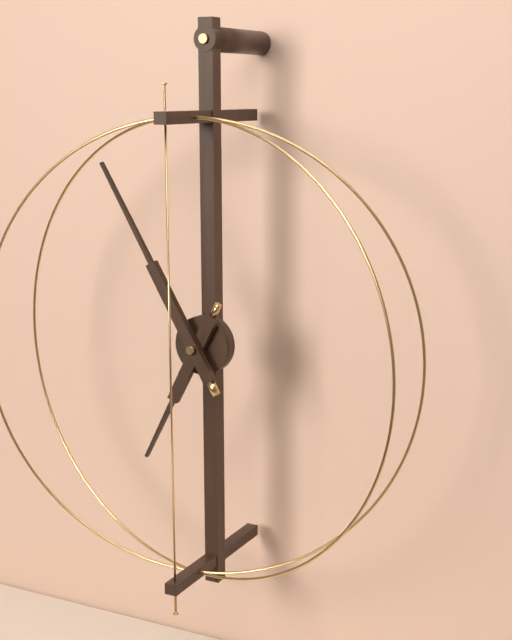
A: 6 h 55 min
